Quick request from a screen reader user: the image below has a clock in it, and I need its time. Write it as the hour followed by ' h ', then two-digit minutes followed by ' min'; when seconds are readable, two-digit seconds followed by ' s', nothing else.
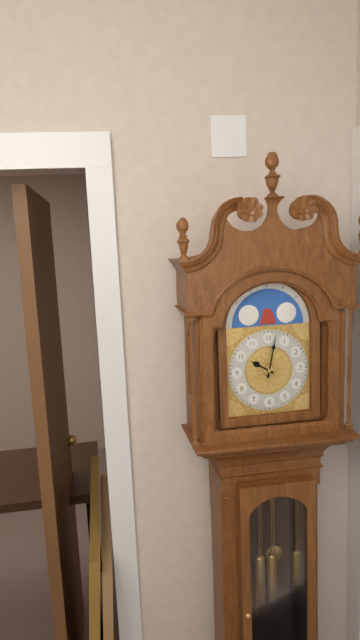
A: 10 h 02 min
